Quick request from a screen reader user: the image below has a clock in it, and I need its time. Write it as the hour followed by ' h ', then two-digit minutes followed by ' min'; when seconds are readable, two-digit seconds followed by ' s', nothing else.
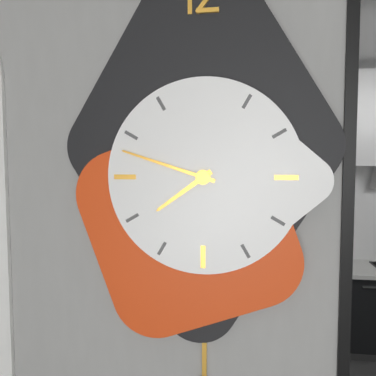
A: 7 h 48 min
